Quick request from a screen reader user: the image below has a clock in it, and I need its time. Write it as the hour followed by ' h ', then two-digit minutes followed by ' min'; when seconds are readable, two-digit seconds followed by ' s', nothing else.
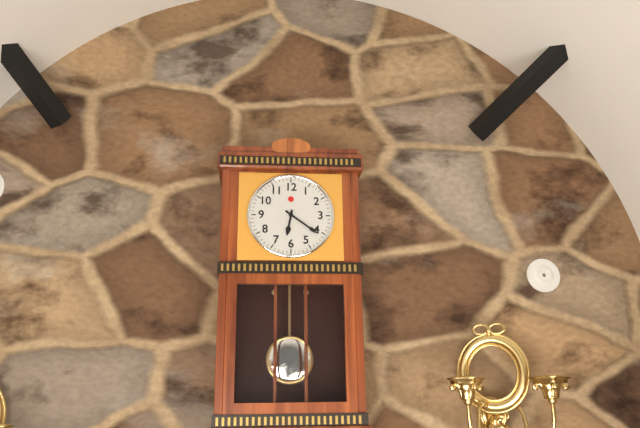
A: 6 h 21 min
